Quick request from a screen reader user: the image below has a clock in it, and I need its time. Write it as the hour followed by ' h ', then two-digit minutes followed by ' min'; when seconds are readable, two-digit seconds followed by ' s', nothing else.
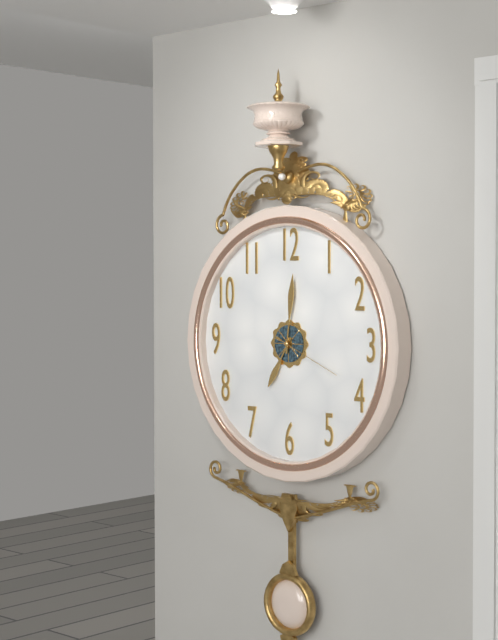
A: 7 h 01 min 19 s
